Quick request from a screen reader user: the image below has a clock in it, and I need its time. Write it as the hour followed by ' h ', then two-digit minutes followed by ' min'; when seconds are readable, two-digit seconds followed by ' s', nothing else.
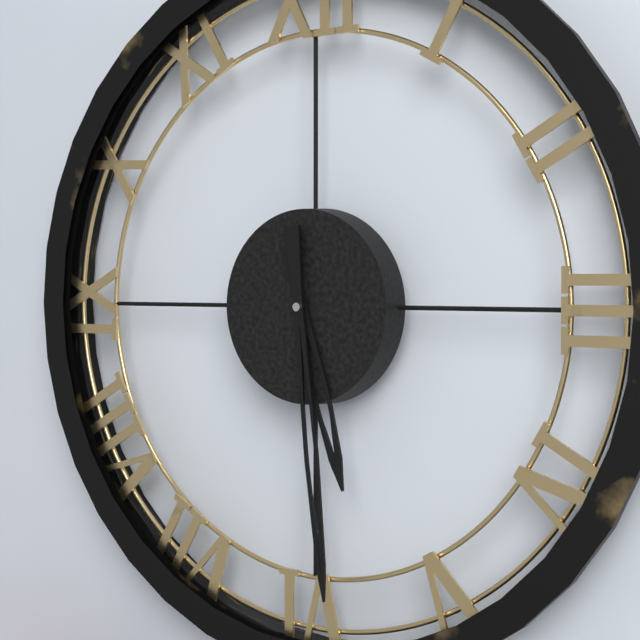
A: 5 h 29 min
